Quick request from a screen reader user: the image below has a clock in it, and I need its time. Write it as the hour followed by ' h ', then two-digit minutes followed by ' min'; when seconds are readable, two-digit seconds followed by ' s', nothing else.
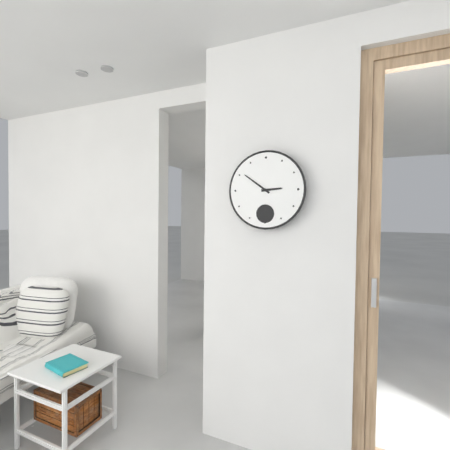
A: 2 h 51 min
